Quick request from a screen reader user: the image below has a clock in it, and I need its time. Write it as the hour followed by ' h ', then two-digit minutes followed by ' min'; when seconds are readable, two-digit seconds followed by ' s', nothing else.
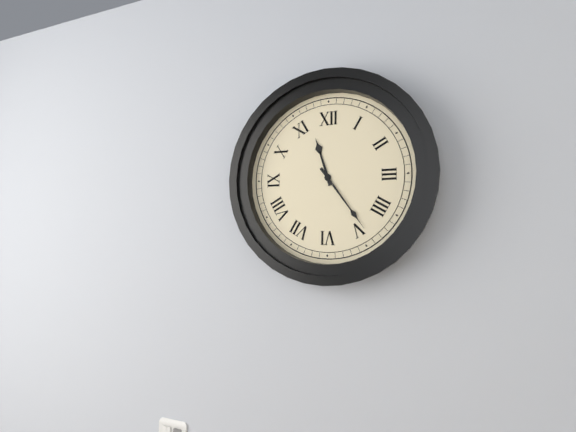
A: 11 h 24 min
